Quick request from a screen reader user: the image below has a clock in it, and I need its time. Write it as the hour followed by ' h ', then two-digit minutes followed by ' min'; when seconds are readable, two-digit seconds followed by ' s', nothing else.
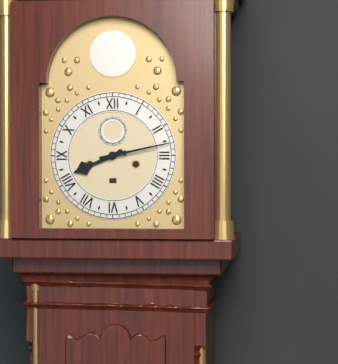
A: 8 h 13 min
